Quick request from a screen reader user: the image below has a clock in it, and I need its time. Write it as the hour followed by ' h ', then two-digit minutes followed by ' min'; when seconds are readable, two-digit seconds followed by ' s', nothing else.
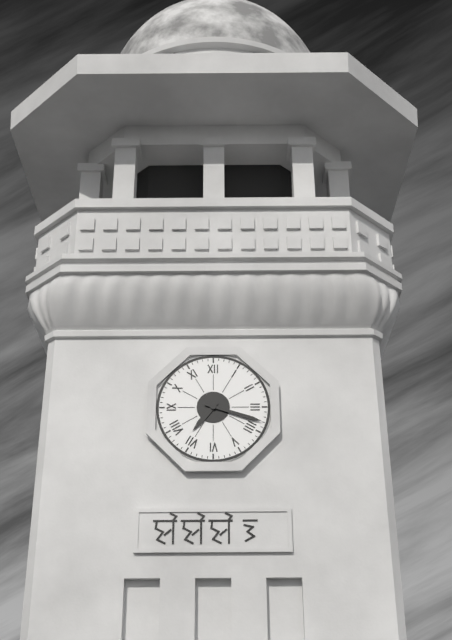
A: 7 h 18 min
